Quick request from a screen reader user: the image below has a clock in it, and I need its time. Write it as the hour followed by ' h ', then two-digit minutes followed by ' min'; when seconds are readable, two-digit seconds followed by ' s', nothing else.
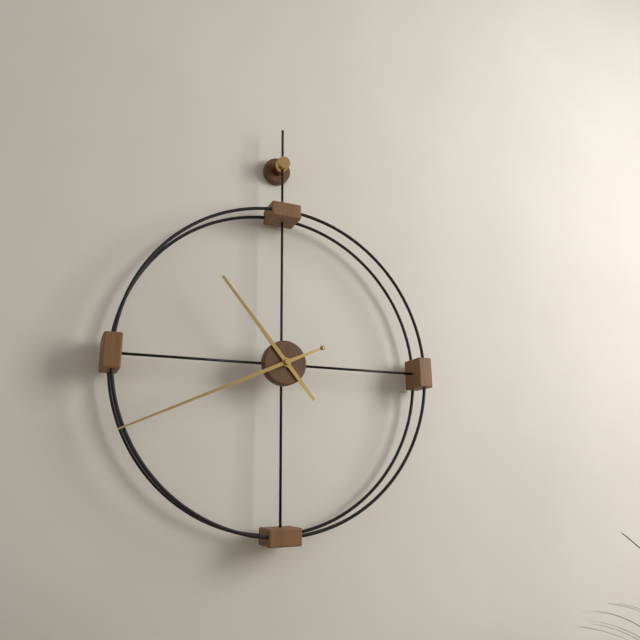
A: 10 h 41 min
